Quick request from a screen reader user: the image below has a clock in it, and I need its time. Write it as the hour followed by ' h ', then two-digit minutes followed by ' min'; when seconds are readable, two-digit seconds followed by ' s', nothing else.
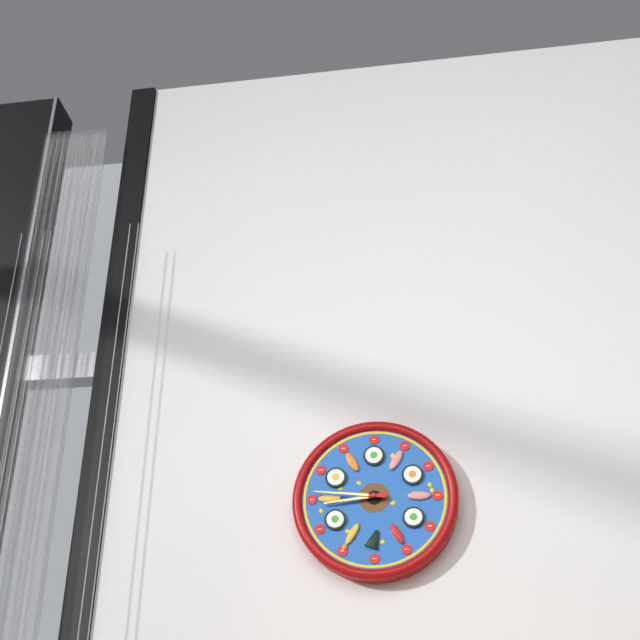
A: 8 h 46 min
